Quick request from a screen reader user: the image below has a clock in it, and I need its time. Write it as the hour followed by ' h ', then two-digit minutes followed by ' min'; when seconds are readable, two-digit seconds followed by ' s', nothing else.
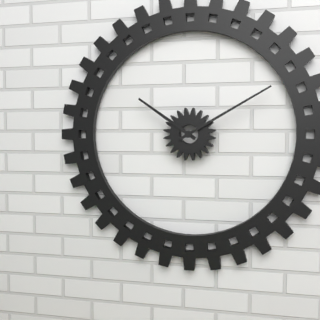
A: 10 h 10 min
